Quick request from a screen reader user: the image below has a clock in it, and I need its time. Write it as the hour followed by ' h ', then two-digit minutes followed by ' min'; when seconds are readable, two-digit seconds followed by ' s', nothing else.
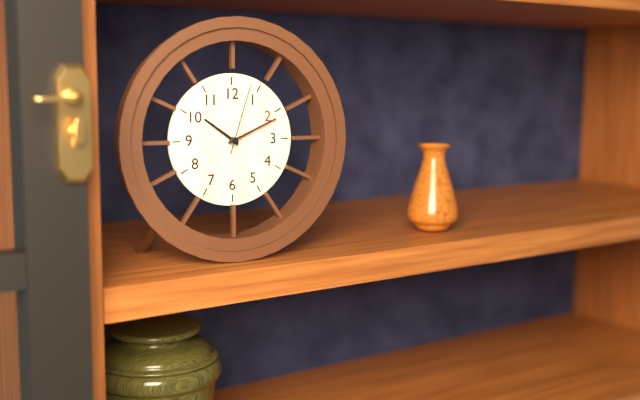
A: 10 h 11 min 03 s
